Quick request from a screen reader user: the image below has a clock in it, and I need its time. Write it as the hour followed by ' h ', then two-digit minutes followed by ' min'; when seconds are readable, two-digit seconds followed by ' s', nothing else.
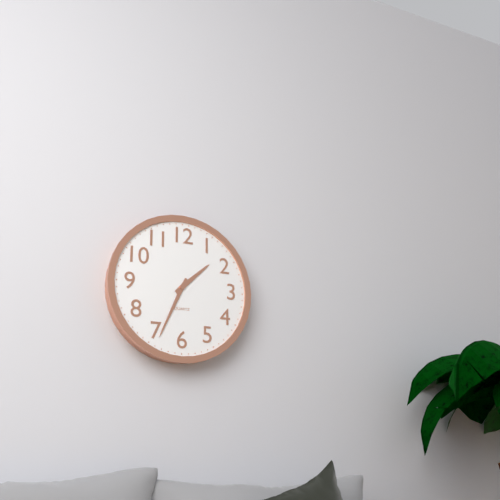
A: 1 h 34 min
